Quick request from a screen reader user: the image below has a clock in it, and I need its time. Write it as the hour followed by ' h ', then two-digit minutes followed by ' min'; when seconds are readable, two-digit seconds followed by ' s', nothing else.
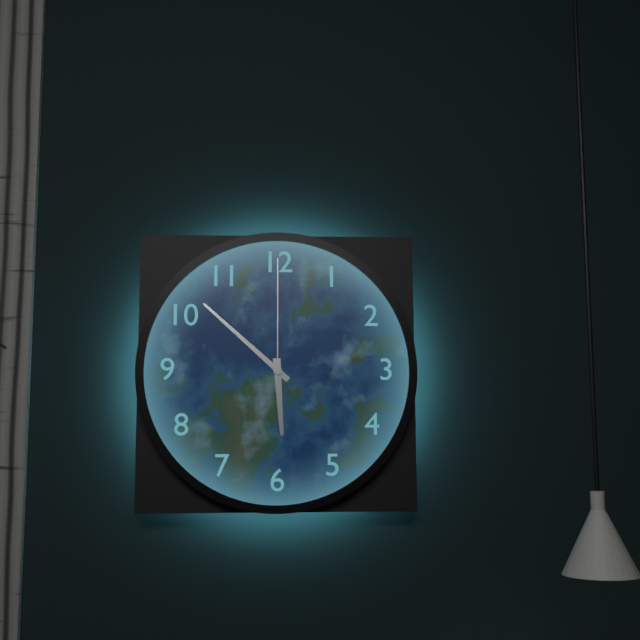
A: 5 h 52 min 00 s
